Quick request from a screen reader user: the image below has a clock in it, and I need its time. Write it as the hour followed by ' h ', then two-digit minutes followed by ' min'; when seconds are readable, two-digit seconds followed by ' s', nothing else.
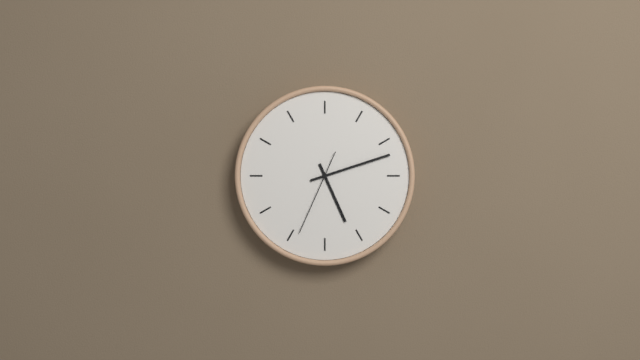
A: 5 h 12 min 34 s
